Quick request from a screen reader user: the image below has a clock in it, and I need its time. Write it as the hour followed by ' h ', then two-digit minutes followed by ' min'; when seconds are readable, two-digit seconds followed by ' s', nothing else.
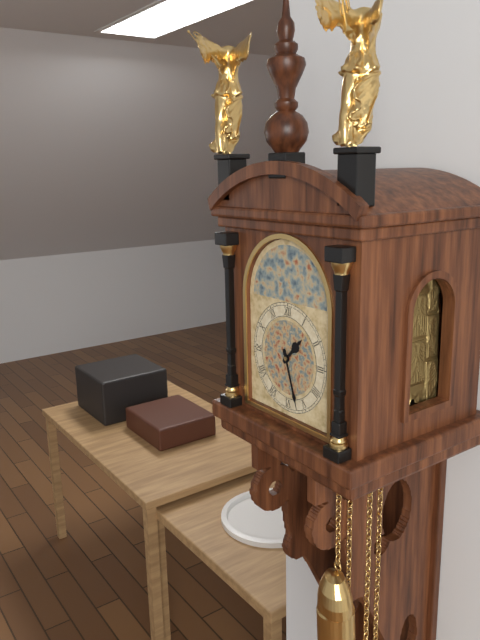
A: 1 h 27 min
